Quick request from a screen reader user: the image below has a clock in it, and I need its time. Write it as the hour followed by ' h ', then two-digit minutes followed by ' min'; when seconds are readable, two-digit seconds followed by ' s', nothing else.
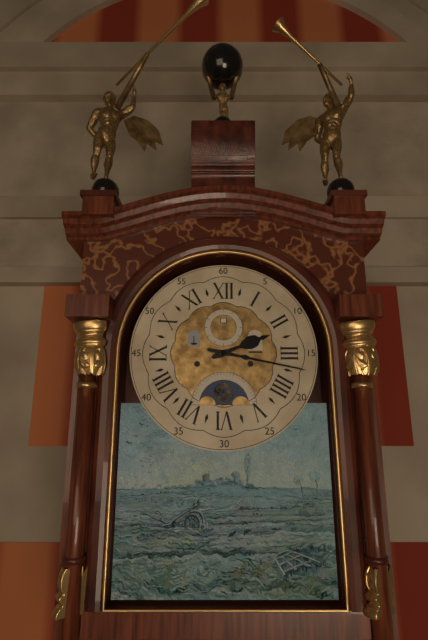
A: 2 h 17 min
